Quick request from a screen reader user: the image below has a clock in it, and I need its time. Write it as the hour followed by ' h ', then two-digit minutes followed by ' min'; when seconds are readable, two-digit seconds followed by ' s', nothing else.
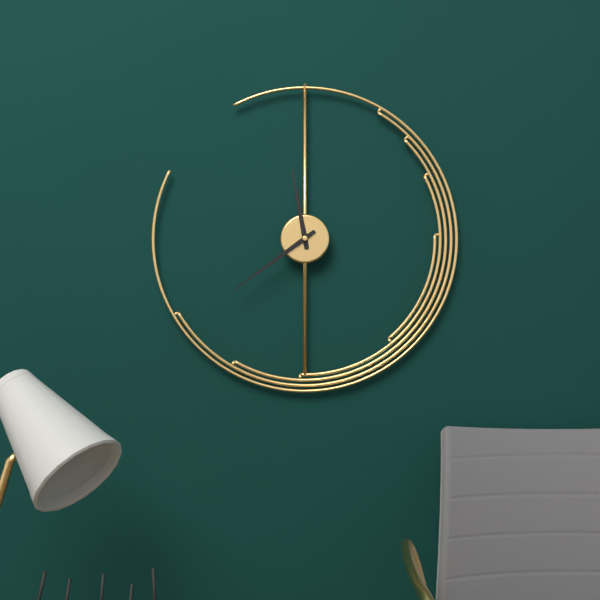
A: 11 h 39 min
